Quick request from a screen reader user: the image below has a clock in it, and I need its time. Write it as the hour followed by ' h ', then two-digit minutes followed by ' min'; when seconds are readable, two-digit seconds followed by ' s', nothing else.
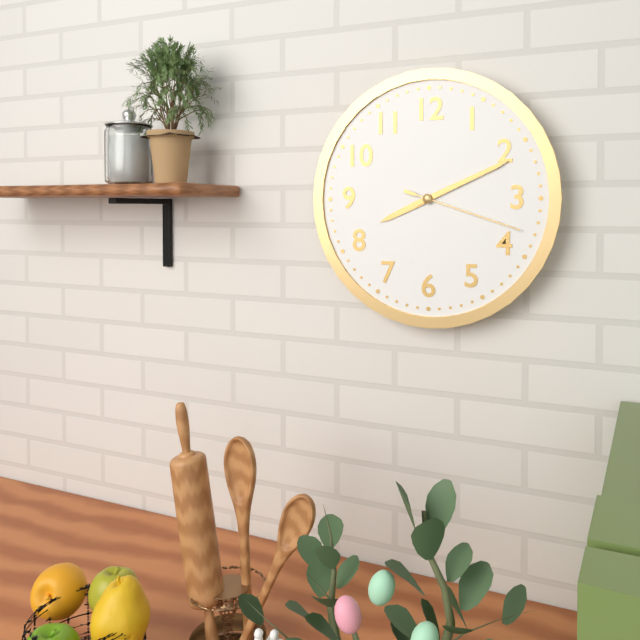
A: 8 h 11 min 18 s
